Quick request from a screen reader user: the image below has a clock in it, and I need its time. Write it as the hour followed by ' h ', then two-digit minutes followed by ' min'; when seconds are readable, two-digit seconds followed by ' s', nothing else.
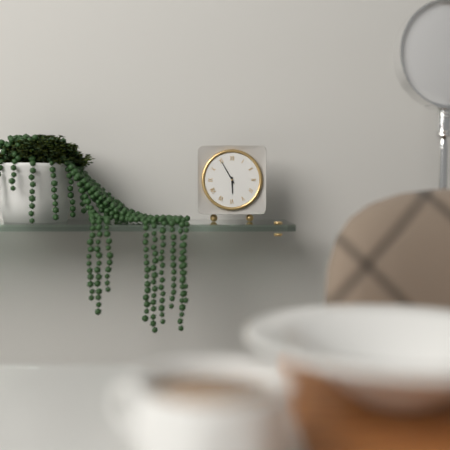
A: 5 h 55 min
